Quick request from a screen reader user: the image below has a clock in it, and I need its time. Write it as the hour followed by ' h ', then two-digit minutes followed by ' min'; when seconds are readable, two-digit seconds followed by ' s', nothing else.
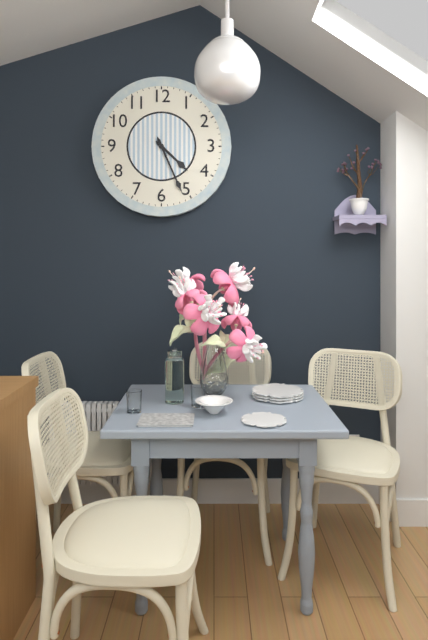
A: 4 h 26 min
